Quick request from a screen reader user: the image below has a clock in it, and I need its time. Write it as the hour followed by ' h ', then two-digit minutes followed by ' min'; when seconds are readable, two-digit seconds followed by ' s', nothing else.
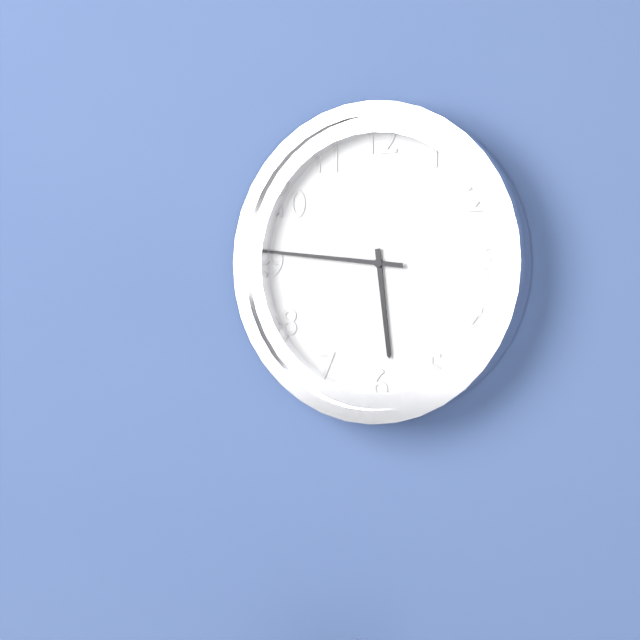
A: 5 h 46 min
